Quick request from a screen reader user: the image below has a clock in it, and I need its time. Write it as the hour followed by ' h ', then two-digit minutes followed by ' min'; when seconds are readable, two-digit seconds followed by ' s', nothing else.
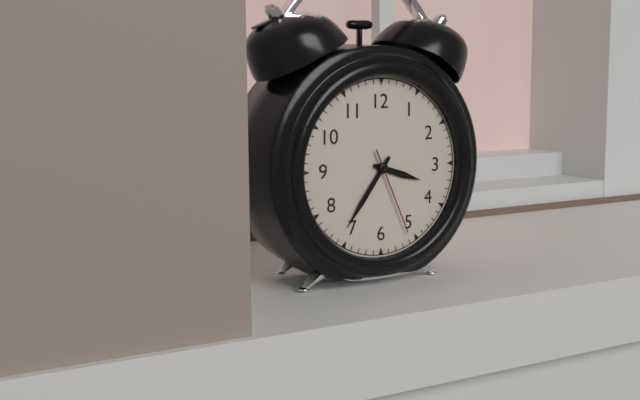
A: 3 h 36 min 26 s
